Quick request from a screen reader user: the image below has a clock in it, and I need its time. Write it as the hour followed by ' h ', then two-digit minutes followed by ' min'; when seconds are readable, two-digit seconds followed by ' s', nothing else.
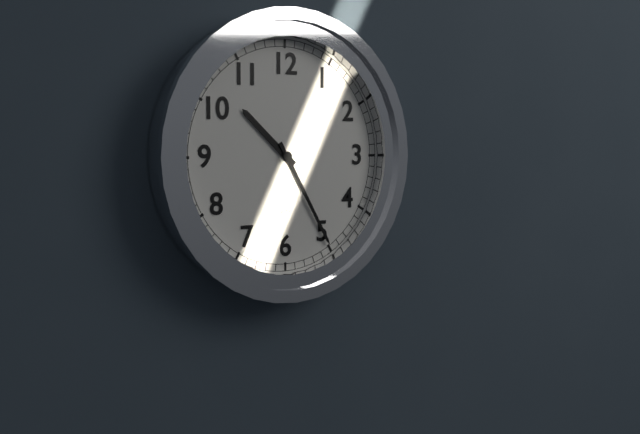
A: 10 h 25 min
